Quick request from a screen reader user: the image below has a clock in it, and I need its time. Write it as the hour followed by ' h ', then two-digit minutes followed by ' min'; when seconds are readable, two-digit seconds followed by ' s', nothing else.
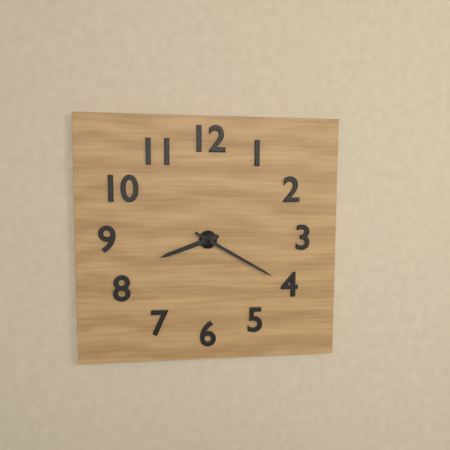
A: 8 h 20 min
